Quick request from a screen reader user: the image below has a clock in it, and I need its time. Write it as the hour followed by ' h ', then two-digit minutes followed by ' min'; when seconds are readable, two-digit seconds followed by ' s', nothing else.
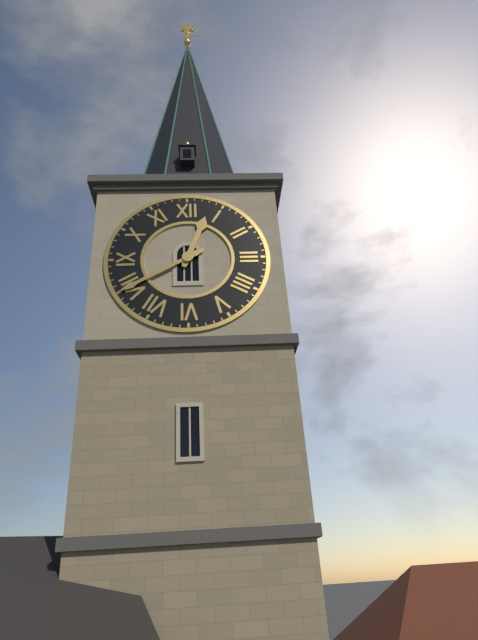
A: 12 h 40 min
